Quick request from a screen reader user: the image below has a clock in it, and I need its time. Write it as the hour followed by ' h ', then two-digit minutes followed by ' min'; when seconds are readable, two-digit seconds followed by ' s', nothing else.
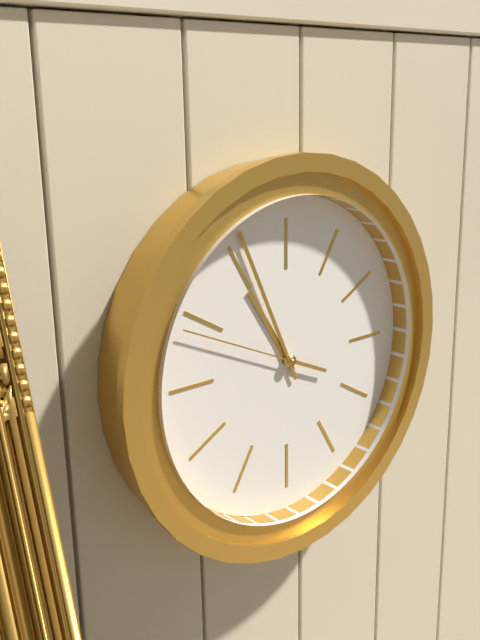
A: 10 h 56 min 49 s
